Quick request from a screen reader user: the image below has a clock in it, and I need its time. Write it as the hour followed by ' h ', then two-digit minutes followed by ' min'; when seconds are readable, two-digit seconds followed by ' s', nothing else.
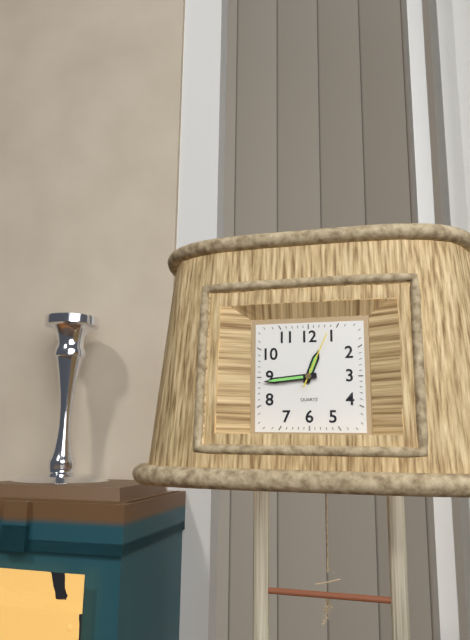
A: 12 h 44 min 04 s
